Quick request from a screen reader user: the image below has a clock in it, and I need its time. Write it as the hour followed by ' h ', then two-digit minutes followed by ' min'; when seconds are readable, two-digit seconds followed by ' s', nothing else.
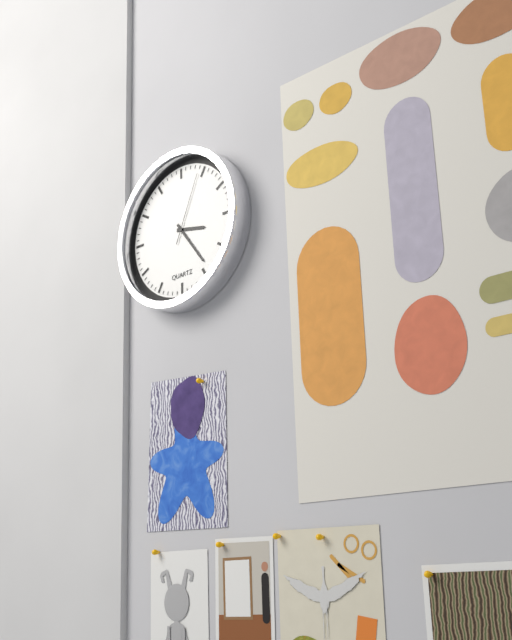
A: 3 h 24 min 04 s
